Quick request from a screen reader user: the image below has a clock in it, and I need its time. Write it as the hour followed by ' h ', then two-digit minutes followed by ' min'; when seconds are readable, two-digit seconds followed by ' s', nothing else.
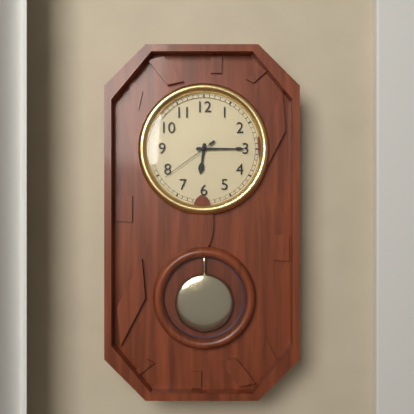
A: 6 h 15 min 39 s
